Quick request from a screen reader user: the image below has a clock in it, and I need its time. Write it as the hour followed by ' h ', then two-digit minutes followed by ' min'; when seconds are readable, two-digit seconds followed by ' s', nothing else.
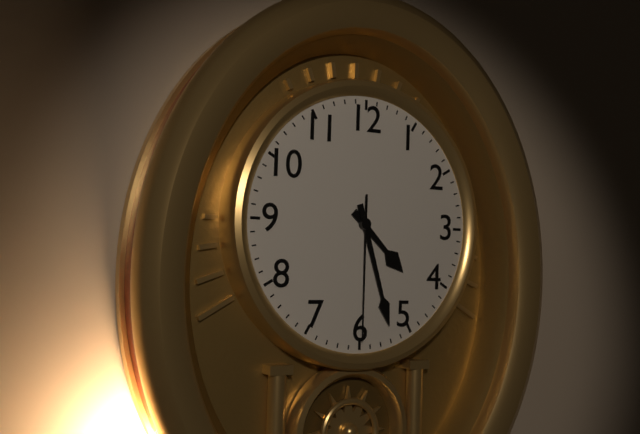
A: 4 h 27 min 30 s
